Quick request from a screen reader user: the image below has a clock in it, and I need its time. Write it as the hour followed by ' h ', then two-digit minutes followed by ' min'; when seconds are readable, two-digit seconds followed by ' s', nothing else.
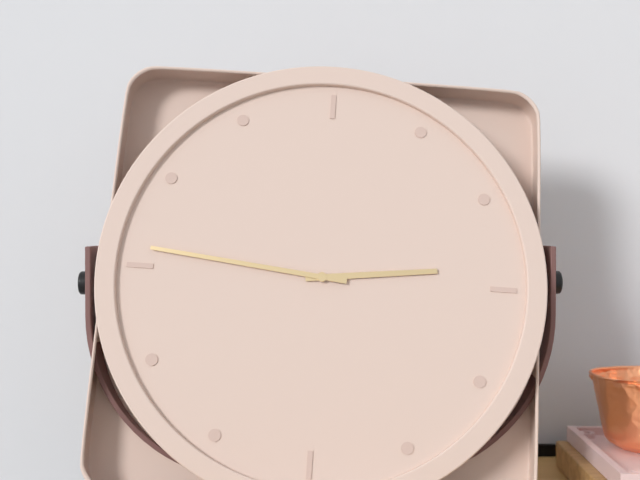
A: 2 h 46 min
